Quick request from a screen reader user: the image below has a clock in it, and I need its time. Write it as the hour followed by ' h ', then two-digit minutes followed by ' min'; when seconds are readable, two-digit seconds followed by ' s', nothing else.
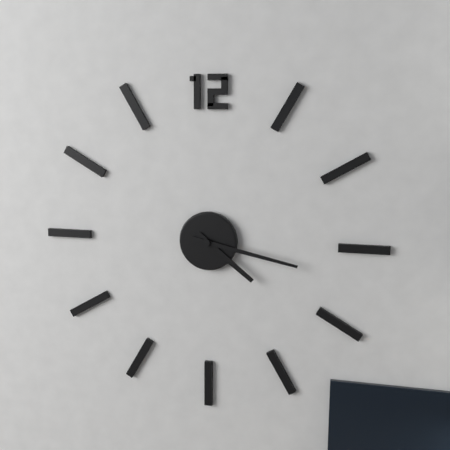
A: 4 h 17 min
